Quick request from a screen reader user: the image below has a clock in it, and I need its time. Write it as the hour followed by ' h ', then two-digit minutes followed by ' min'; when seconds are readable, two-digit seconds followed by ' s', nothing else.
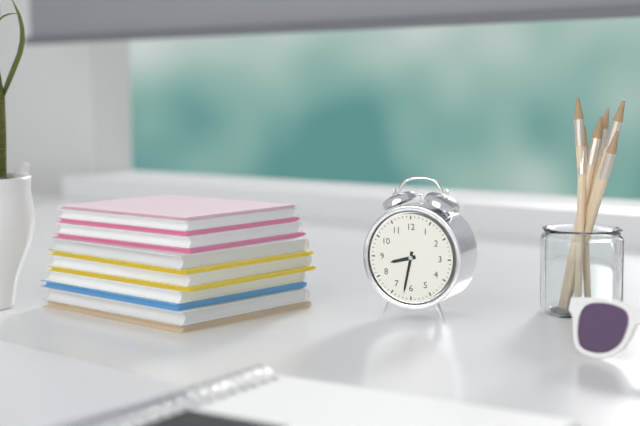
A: 8 h 32 min
